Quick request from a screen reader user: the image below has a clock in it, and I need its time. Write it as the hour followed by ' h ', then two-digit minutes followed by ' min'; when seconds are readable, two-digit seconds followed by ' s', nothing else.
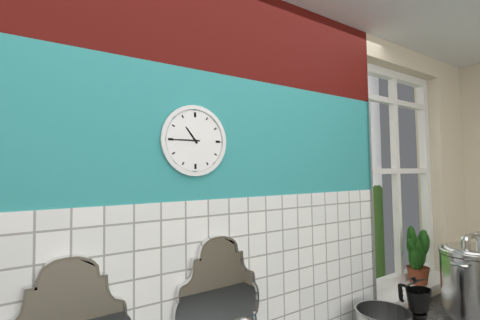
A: 10 h 45 min
